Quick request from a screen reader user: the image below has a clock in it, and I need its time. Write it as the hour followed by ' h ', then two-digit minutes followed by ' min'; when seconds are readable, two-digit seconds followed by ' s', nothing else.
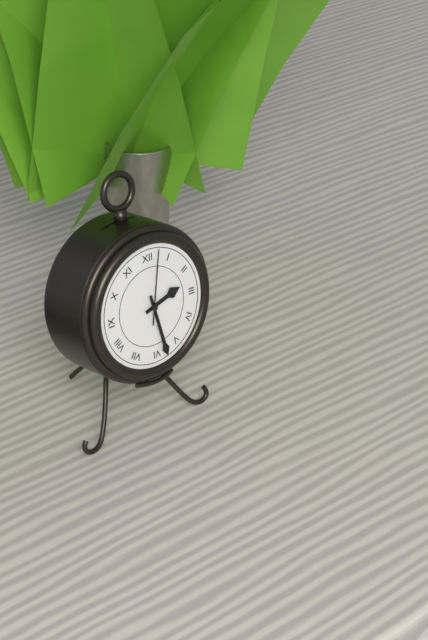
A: 2 h 28 min 02 s
